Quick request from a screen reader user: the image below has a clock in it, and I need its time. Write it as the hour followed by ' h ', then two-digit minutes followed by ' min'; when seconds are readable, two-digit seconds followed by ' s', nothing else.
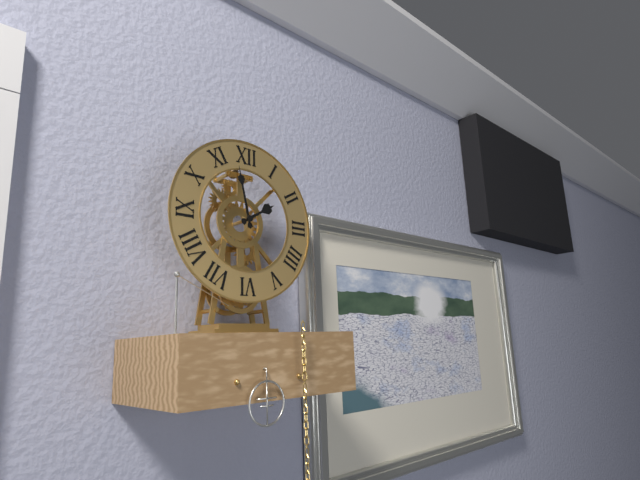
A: 1 h 58 min
